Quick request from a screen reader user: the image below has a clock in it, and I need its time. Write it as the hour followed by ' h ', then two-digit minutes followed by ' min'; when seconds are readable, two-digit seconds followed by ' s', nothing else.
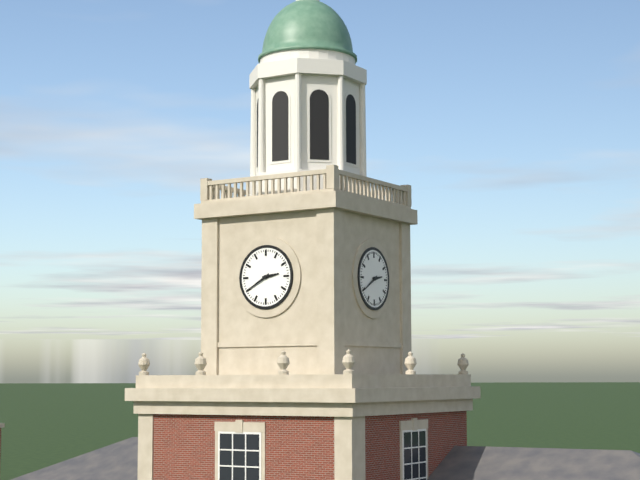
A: 2 h 40 min
